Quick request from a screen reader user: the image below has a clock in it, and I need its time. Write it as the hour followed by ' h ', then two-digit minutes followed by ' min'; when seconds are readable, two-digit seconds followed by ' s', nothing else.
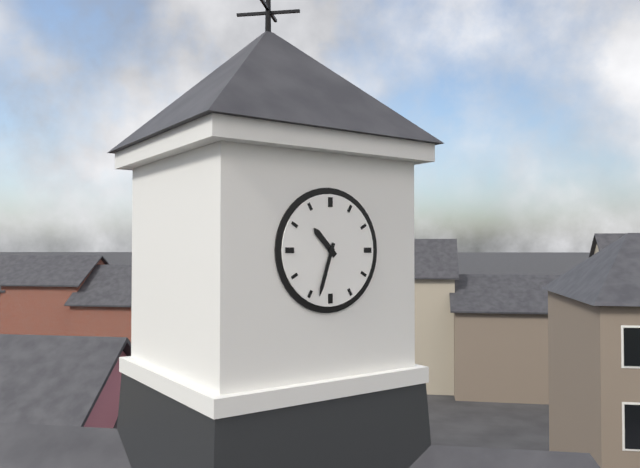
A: 10 h 33 min
